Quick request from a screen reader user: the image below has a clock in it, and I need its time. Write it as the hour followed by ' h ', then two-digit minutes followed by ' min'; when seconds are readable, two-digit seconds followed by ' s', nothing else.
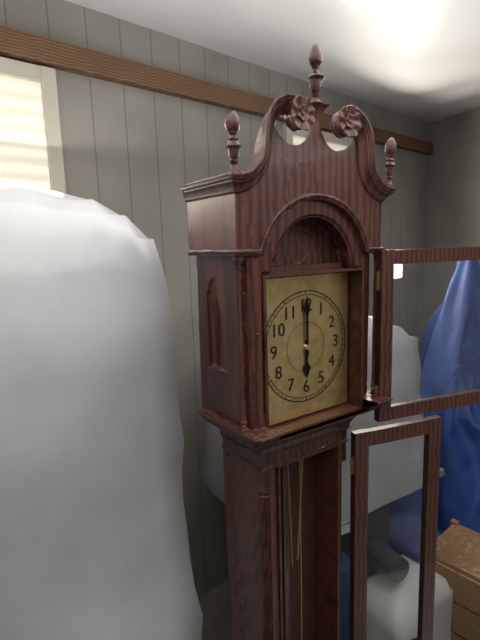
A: 6 h 00 min
